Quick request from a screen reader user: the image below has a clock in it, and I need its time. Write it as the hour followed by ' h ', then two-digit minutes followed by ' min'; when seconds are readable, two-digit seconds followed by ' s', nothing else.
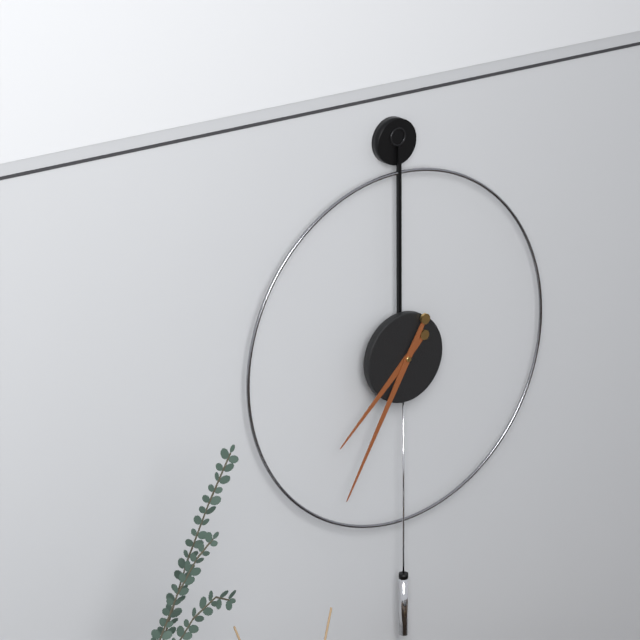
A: 7 h 35 min
